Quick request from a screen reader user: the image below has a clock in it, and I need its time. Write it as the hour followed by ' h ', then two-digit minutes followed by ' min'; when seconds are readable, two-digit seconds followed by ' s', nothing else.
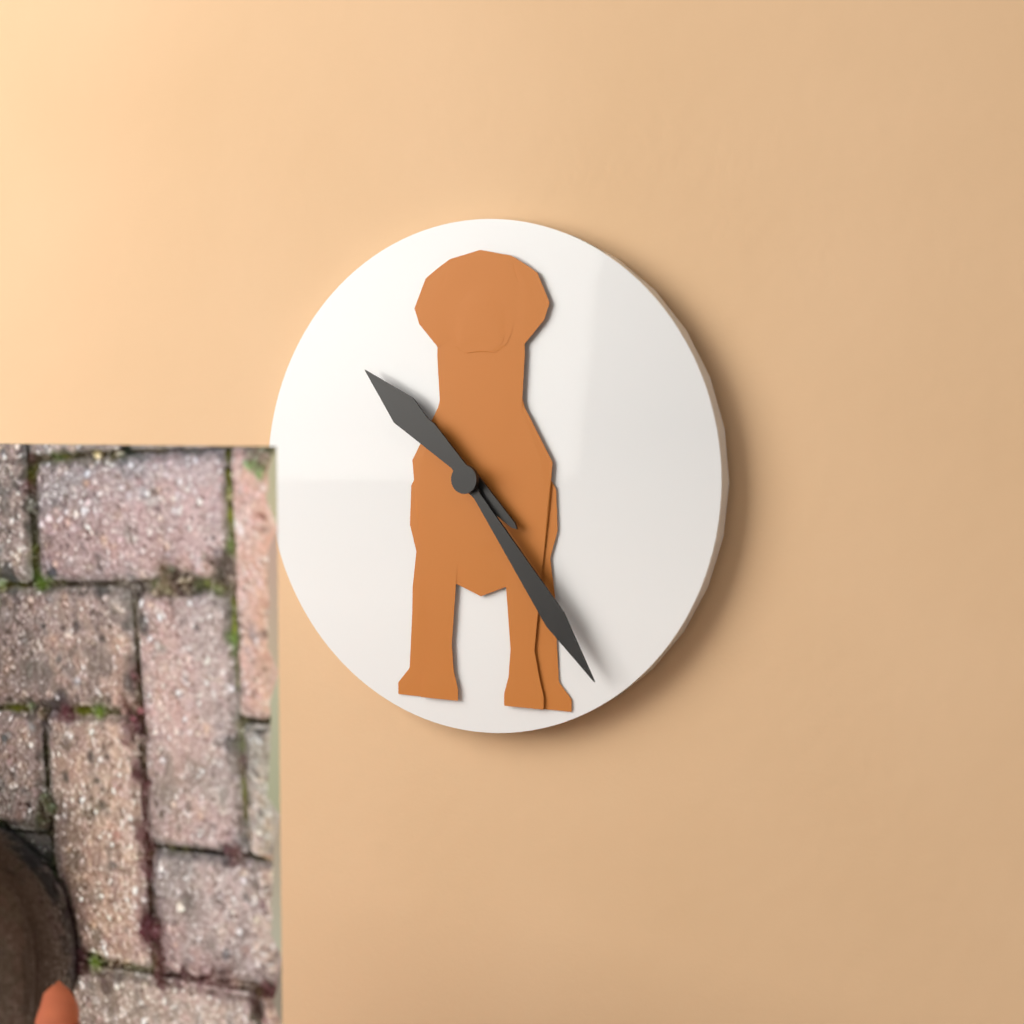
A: 10 h 24 min
